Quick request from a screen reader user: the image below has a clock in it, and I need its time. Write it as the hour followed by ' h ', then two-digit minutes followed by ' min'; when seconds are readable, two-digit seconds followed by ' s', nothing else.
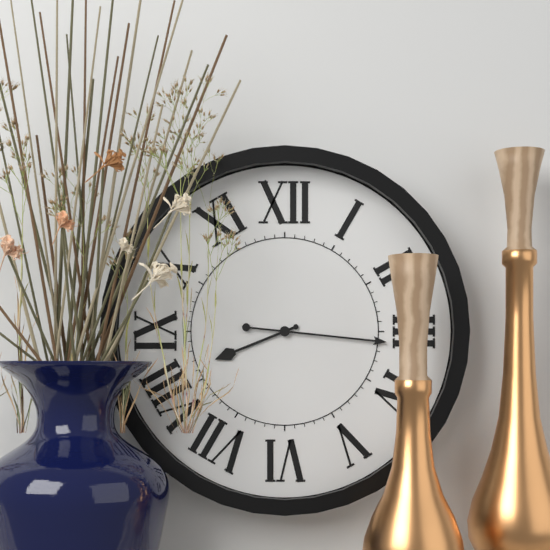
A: 8 h 16 min
